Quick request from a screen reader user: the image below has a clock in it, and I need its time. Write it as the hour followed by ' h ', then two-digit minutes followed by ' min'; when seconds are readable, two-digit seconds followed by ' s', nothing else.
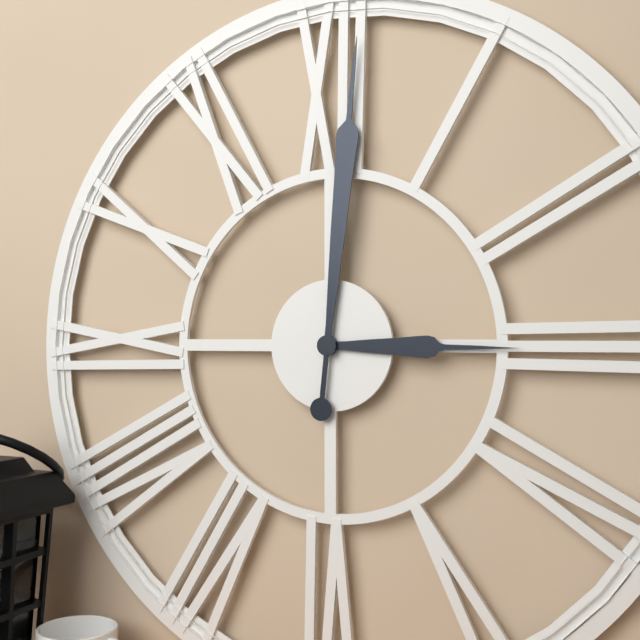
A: 3 h 01 min
